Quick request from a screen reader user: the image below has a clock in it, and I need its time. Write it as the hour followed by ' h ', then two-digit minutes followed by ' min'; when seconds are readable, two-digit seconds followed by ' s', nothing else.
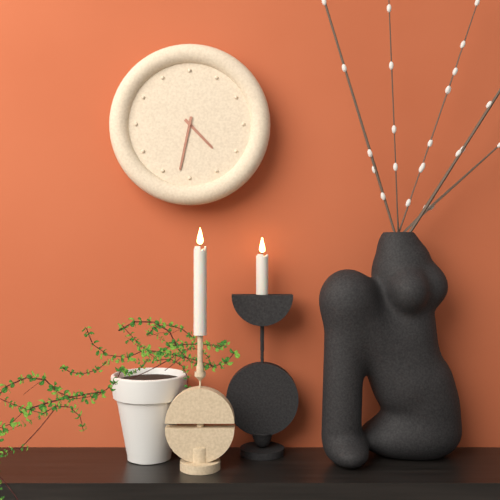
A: 4 h 32 min
